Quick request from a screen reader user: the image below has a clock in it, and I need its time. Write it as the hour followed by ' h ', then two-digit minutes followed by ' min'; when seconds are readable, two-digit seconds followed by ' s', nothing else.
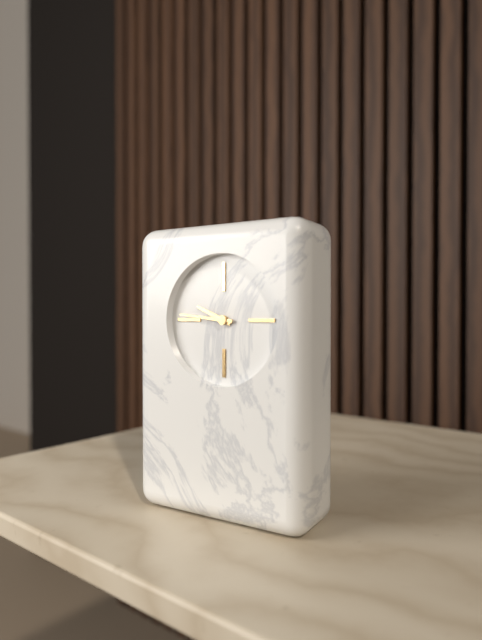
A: 9 h 46 min
